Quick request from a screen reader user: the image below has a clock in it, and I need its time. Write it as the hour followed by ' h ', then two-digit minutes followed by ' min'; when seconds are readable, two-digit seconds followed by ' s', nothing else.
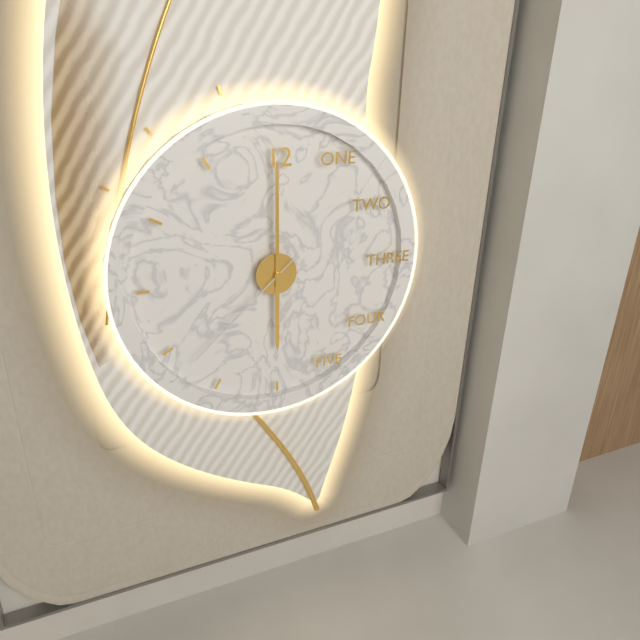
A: 6 h 00 min 38 s
